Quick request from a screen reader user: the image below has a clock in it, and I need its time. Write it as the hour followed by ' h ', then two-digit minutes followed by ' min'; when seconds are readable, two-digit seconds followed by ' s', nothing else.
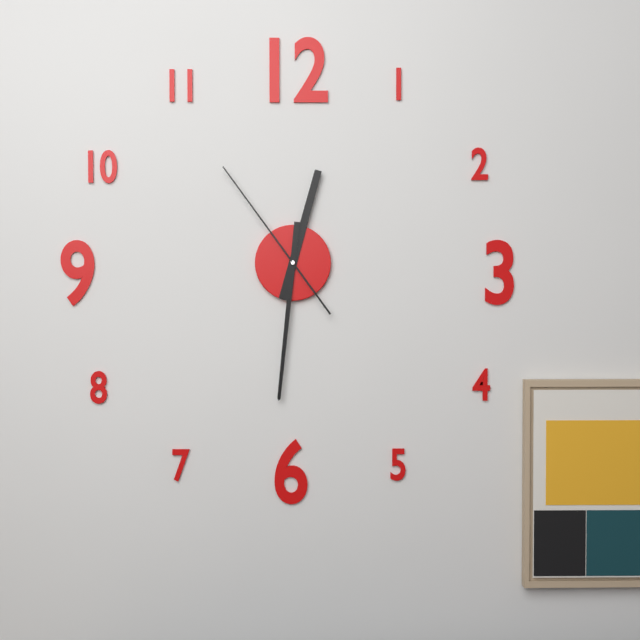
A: 12 h 31 min 54 s
